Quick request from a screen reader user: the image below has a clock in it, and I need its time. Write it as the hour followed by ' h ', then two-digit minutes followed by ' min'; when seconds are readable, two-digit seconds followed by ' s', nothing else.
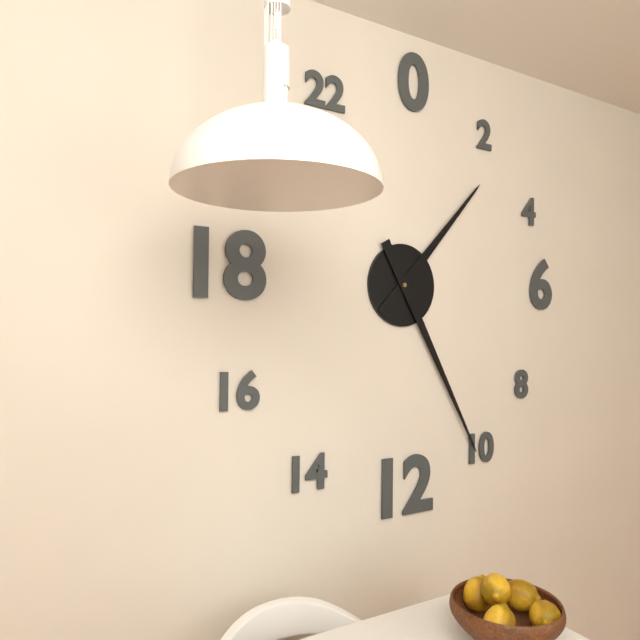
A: 1 h 25 min
